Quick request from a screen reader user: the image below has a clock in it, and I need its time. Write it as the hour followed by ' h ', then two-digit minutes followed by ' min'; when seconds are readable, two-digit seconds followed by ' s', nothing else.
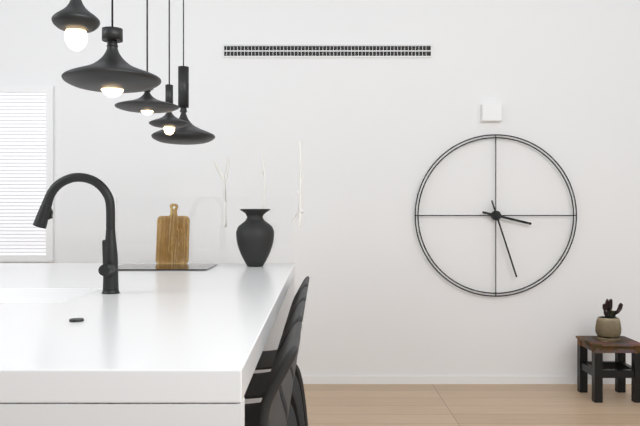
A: 3 h 27 min
